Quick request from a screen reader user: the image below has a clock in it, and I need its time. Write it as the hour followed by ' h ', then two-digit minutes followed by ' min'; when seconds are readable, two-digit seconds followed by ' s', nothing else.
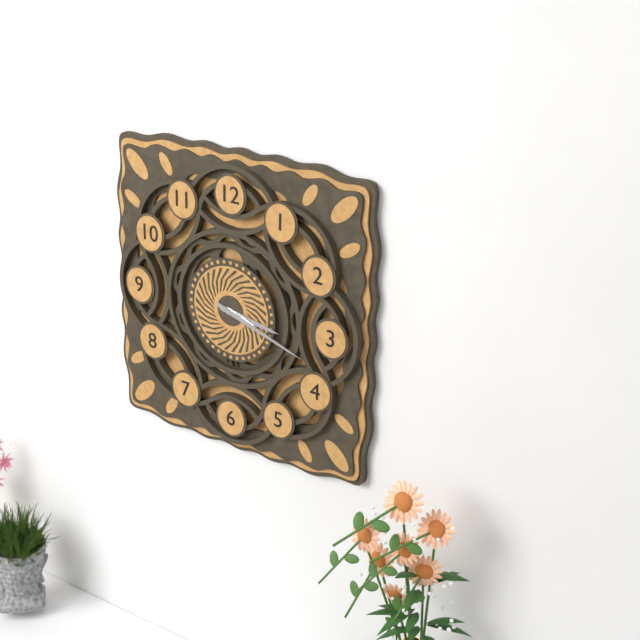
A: 3 h 18 min
